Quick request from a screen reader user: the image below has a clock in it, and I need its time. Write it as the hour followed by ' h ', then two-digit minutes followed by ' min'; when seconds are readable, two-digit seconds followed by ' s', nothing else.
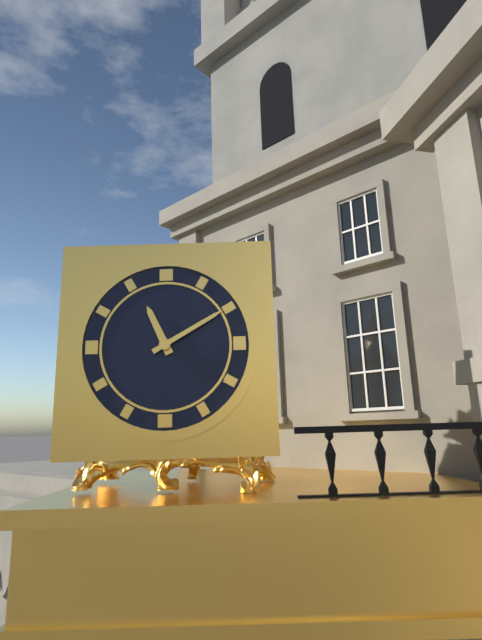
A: 11 h 10 min
